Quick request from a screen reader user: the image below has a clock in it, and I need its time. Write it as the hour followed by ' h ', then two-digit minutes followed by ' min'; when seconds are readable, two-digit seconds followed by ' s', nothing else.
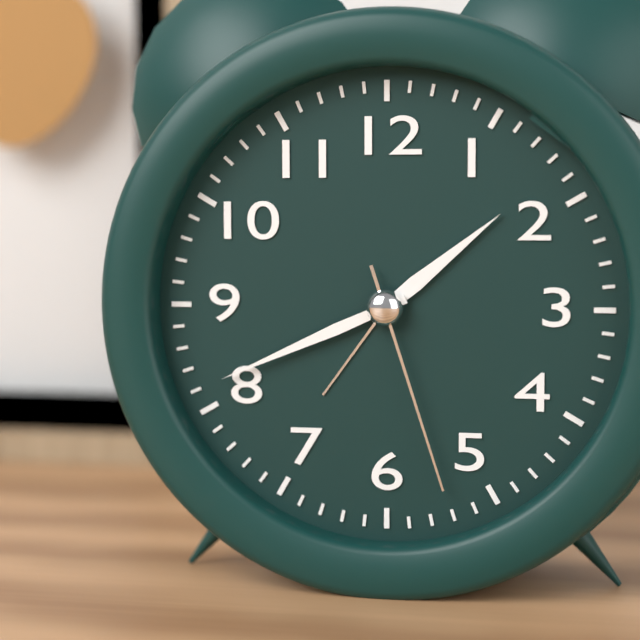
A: 1 h 41 min 27 s
